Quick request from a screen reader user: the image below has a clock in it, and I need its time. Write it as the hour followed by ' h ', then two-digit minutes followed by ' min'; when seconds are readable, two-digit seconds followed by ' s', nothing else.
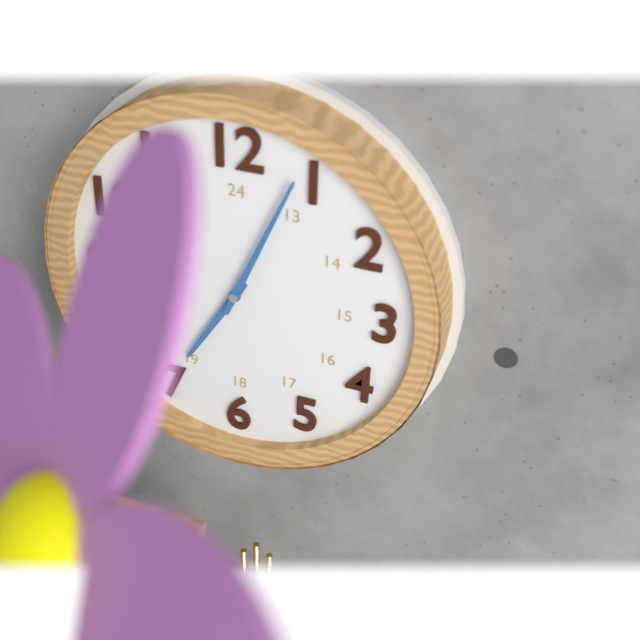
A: 7 h 04 min
